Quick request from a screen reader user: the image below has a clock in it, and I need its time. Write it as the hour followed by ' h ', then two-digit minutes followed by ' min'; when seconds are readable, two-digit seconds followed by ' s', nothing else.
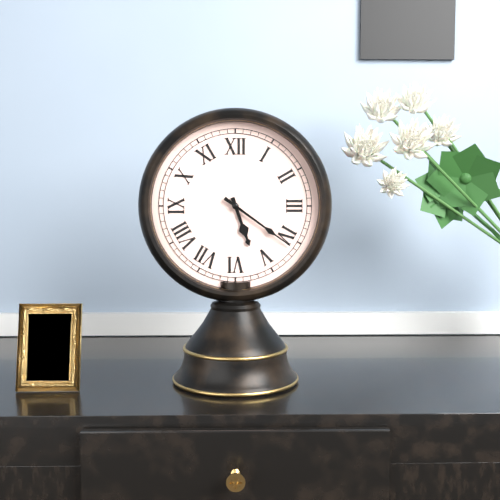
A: 5 h 21 min
